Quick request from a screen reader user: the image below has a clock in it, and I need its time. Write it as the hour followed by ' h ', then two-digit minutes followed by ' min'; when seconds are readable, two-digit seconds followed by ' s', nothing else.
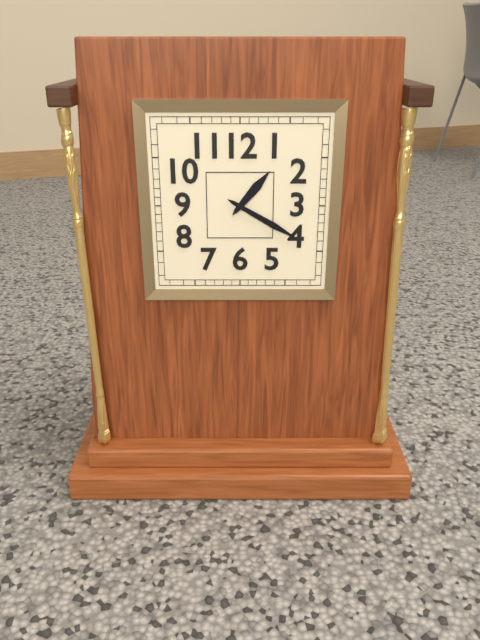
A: 1 h 20 min
